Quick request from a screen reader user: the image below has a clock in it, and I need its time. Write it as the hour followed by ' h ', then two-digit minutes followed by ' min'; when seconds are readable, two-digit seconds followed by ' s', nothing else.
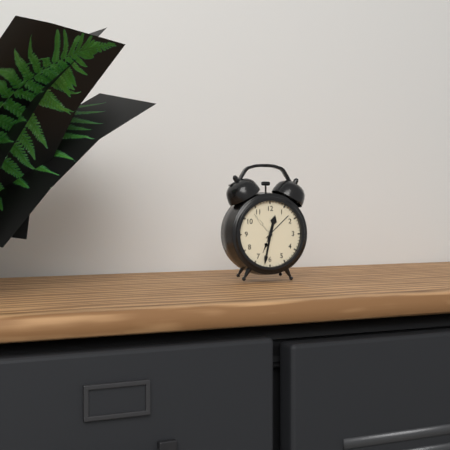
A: 12 h 32 min
